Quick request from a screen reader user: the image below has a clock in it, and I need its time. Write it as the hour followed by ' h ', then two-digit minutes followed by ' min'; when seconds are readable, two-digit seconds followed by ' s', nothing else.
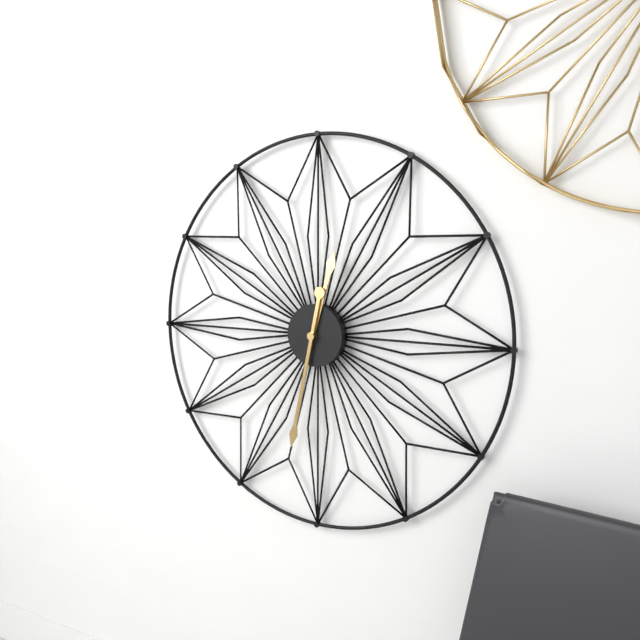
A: 12 h 32 min
